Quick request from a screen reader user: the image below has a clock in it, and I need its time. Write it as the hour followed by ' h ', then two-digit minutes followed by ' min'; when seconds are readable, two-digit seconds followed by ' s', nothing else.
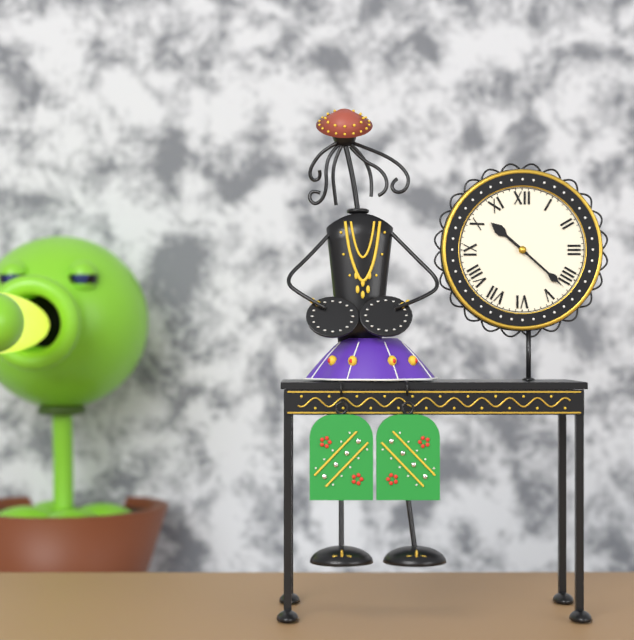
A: 10 h 22 min
